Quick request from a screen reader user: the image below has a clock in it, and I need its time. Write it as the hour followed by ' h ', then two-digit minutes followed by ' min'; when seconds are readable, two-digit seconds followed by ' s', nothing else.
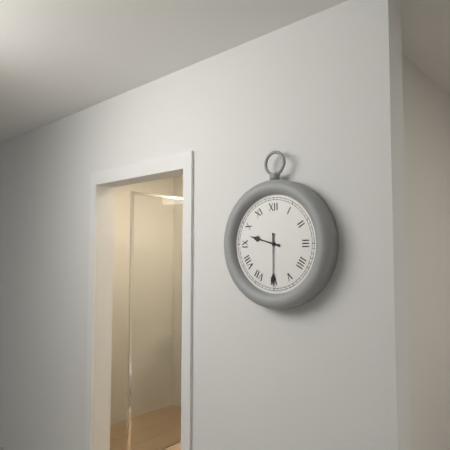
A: 9 h 30 min
